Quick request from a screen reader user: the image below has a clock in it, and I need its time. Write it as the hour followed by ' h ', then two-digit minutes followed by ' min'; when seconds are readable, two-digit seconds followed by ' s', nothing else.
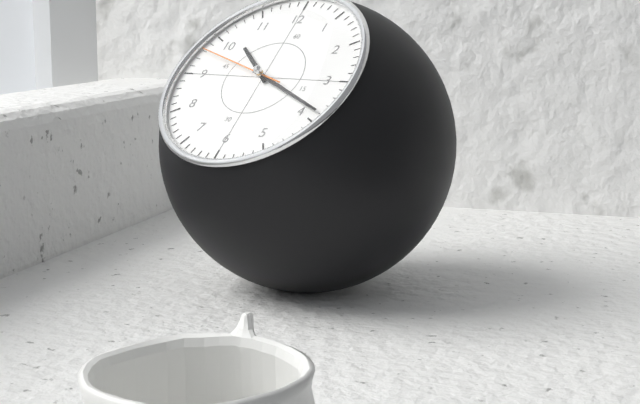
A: 10 h 19 min 48 s
